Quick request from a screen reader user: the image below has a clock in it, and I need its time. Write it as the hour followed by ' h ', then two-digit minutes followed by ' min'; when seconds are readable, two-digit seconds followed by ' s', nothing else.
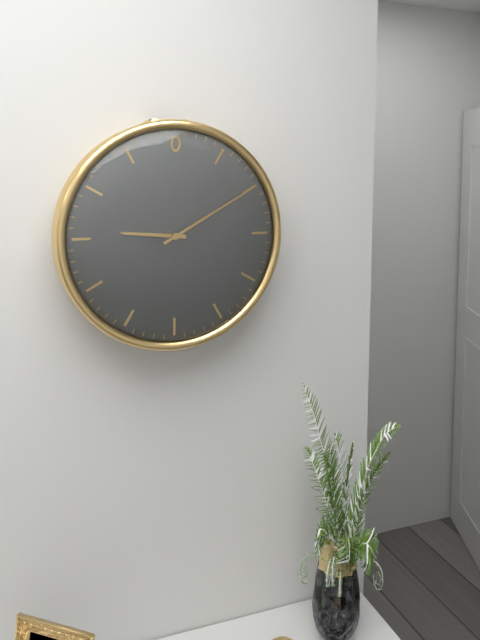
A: 9 h 10 min
